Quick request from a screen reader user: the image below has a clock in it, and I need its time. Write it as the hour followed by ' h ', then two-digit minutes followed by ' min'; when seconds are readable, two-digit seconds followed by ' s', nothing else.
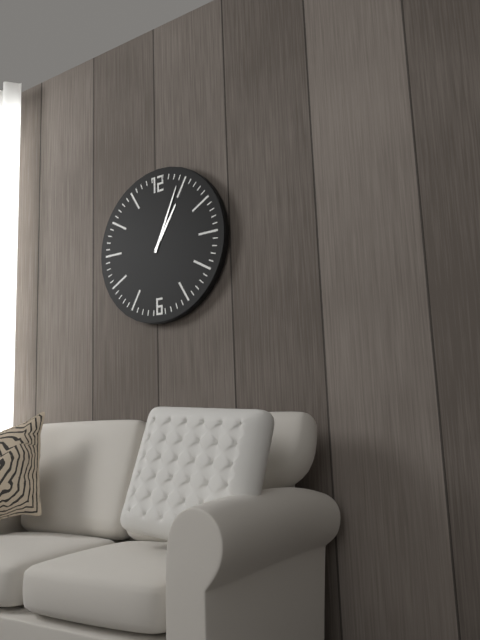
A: 1 h 04 min
